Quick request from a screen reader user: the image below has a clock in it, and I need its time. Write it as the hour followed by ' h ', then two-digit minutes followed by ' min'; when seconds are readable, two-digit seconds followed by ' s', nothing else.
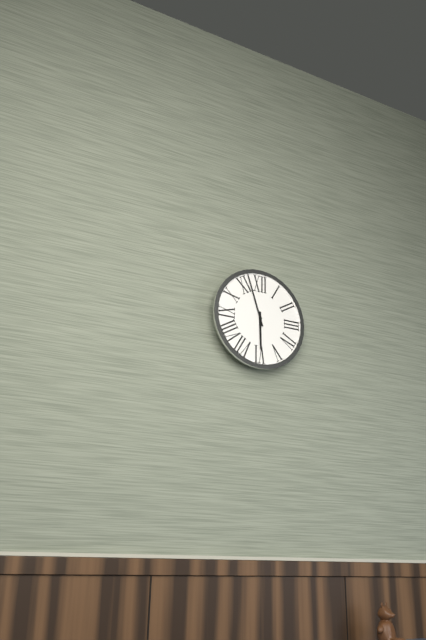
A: 5 h 57 min
